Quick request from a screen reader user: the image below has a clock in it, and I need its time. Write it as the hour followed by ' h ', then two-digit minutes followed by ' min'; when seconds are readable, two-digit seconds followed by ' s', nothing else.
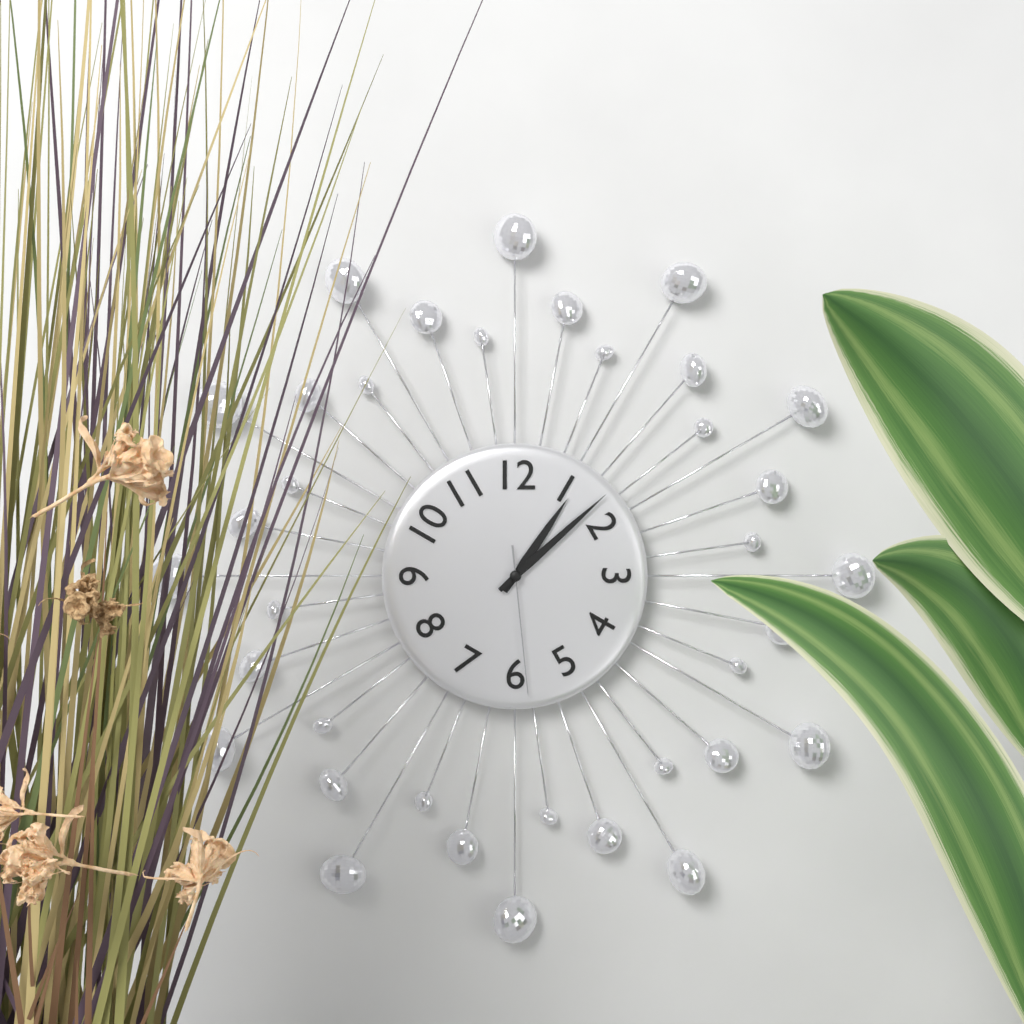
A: 1 h 08 min 29 s
